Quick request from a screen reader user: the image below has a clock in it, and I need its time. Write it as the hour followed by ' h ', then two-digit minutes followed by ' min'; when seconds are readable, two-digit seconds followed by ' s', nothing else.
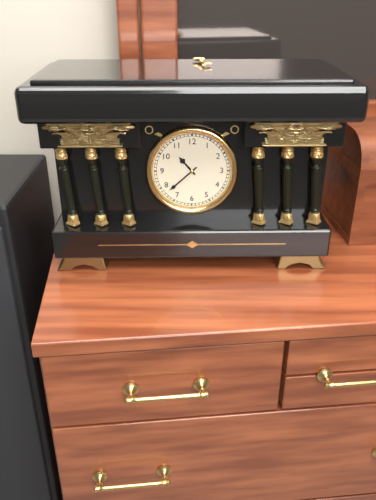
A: 10 h 38 min
